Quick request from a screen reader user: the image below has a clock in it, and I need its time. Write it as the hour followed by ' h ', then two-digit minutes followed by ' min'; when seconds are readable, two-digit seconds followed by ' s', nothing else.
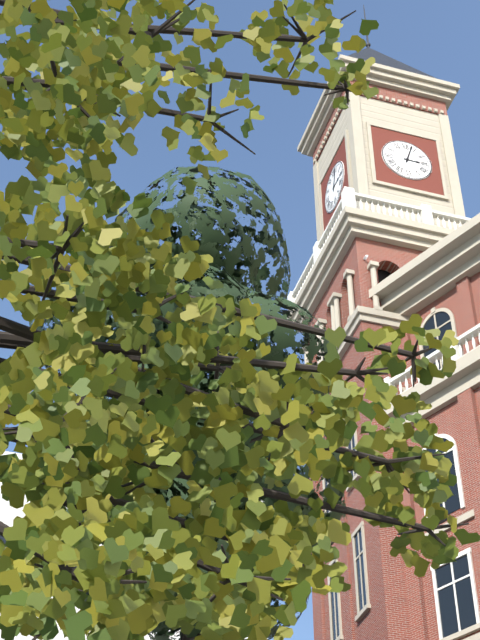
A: 3 h 03 min
